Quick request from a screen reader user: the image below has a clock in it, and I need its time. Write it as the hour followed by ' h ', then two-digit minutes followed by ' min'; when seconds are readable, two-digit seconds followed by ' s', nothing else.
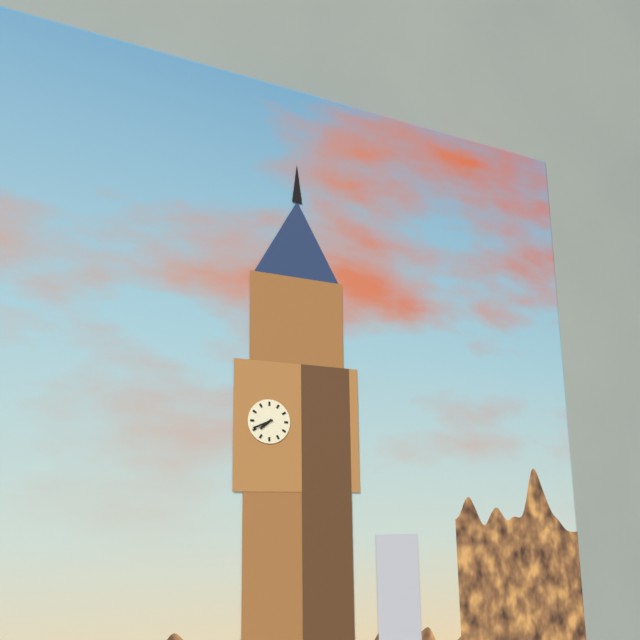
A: 7 h 41 min
